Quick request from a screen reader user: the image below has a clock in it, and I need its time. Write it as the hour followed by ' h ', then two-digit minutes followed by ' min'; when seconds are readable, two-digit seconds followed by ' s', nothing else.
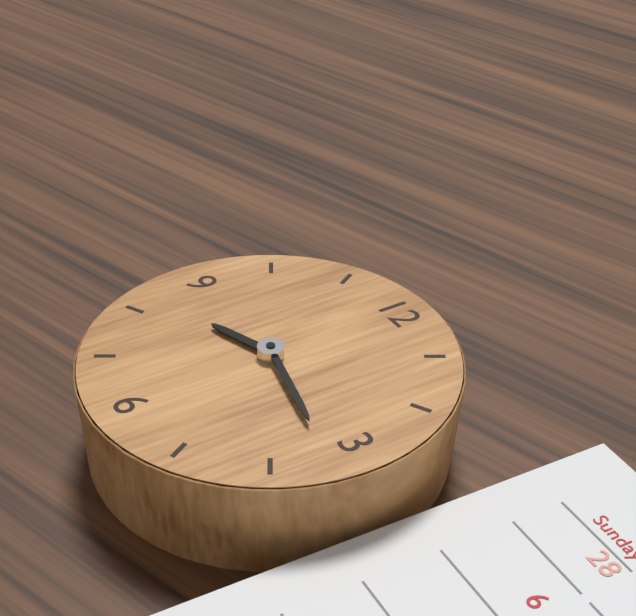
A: 8 h 17 min
